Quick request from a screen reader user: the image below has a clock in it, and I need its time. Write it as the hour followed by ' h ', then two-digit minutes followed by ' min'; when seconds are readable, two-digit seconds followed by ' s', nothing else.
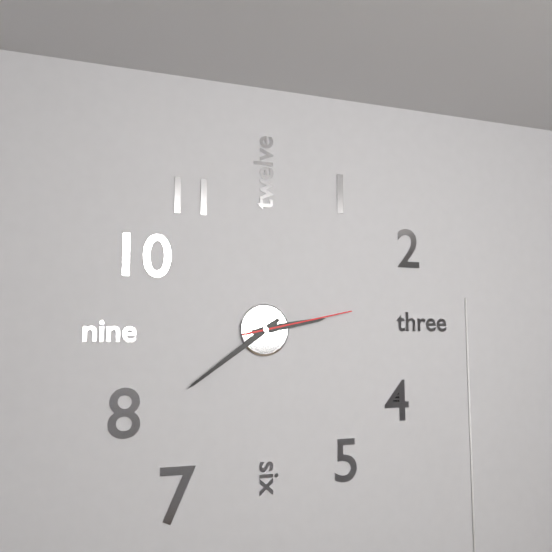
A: 2 h 39 min 13 s
